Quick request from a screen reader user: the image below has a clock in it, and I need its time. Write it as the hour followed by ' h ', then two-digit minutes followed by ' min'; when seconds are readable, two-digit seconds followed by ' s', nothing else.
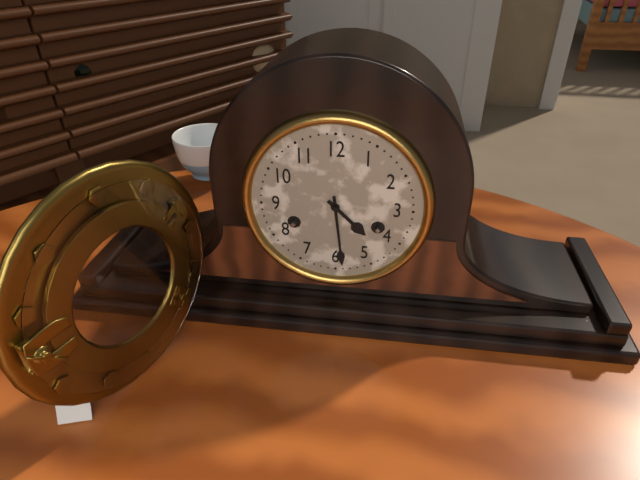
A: 4 h 29 min
